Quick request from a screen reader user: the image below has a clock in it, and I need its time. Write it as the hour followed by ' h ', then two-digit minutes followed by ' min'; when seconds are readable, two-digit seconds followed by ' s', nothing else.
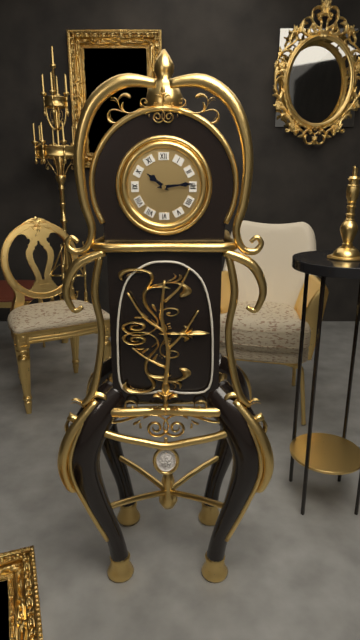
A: 10 h 14 min
